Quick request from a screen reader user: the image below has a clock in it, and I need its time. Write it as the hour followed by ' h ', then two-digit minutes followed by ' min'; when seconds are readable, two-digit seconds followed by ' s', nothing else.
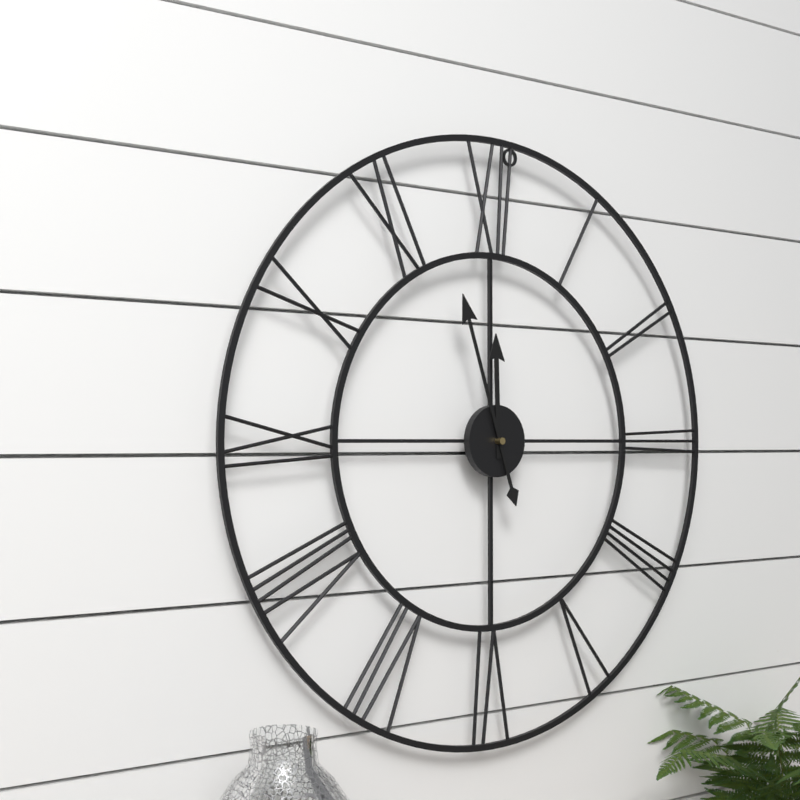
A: 11 h 57 min
